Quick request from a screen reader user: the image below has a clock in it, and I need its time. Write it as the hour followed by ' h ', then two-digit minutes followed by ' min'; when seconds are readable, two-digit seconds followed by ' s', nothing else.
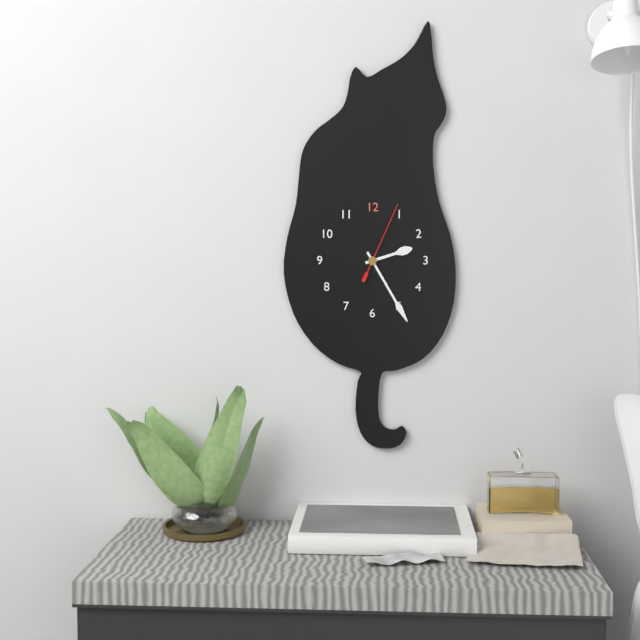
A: 2 h 25 min 04 s
